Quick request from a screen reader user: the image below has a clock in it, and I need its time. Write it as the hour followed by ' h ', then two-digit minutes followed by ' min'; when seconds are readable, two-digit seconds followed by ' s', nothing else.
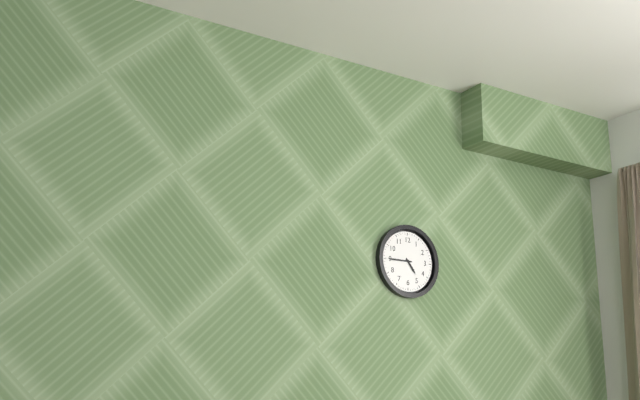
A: 4 h 45 min
